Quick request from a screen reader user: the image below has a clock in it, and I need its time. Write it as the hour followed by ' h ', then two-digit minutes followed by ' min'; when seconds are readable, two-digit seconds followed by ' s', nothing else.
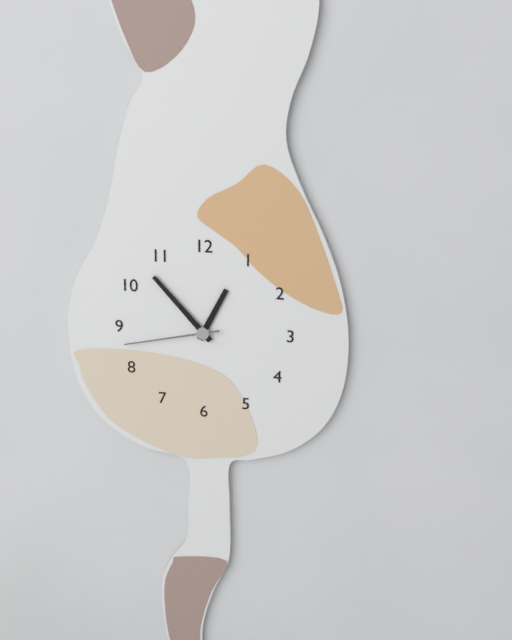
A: 12 h 53 min 43 s
